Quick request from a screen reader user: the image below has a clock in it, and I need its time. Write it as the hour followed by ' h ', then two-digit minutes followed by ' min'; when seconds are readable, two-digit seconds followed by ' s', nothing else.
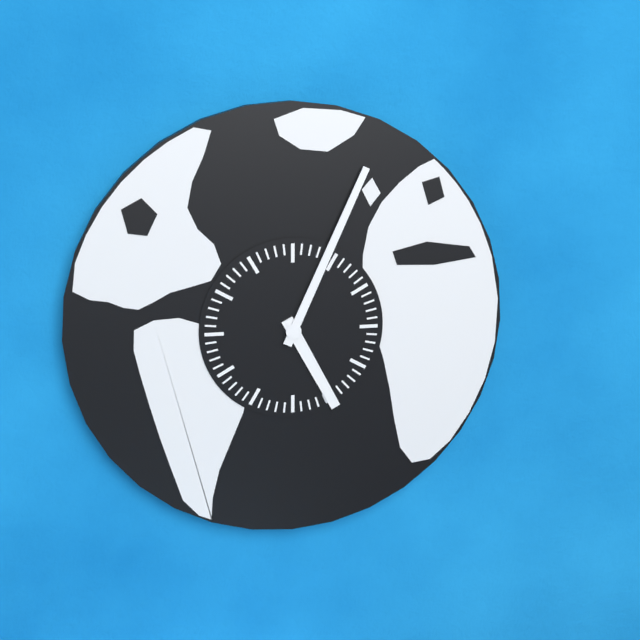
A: 5 h 04 min
